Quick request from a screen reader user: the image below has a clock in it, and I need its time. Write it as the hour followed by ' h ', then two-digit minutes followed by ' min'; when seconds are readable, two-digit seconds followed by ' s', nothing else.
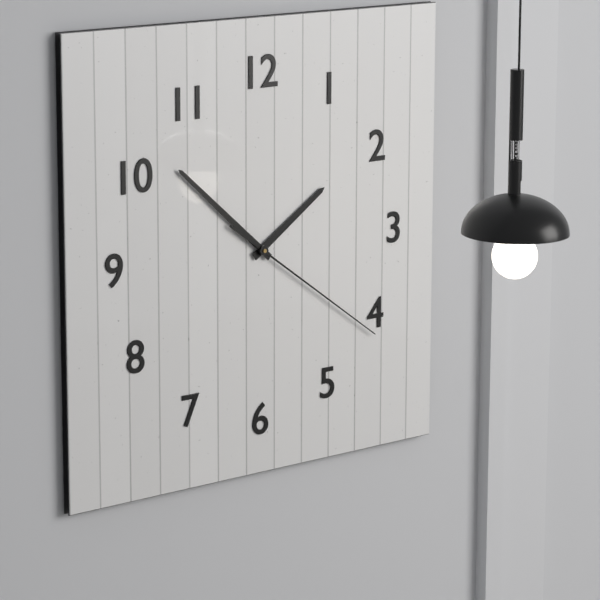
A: 1 h 52 min 21 s
